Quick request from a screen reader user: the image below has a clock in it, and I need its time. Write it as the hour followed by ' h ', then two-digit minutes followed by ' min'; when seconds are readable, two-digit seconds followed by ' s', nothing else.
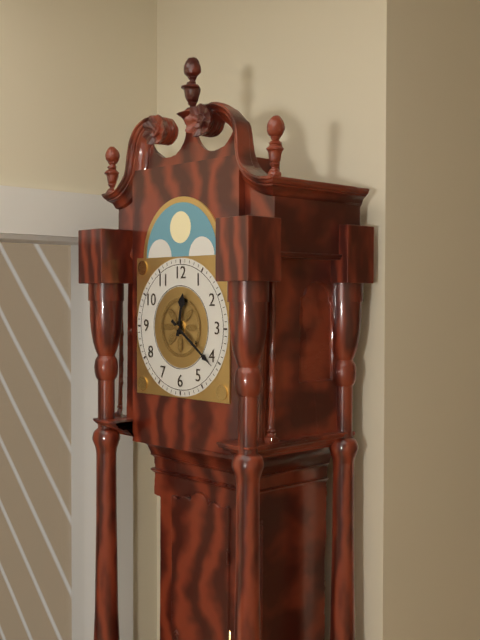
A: 12 h 21 min
